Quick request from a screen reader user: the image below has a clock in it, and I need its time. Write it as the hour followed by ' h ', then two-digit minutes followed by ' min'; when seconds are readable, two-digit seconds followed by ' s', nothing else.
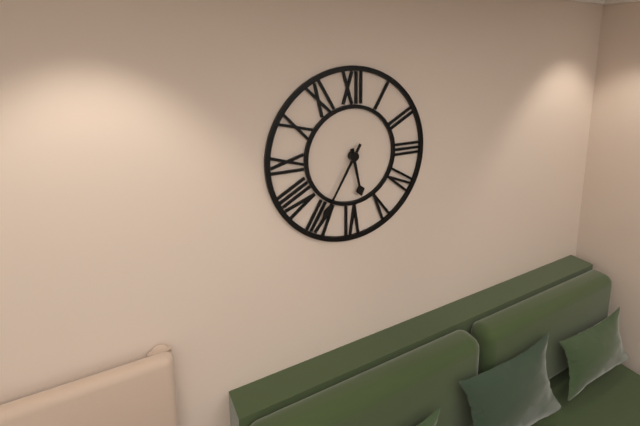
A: 5 h 35 min
